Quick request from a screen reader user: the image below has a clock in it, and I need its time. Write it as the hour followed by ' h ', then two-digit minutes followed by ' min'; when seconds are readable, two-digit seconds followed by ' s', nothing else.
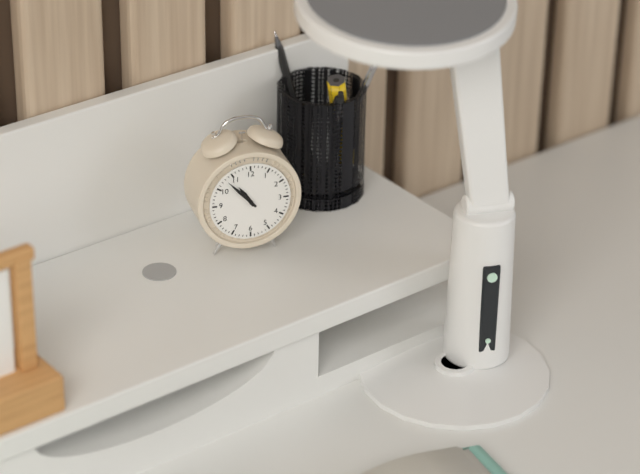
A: 10 h 53 min
